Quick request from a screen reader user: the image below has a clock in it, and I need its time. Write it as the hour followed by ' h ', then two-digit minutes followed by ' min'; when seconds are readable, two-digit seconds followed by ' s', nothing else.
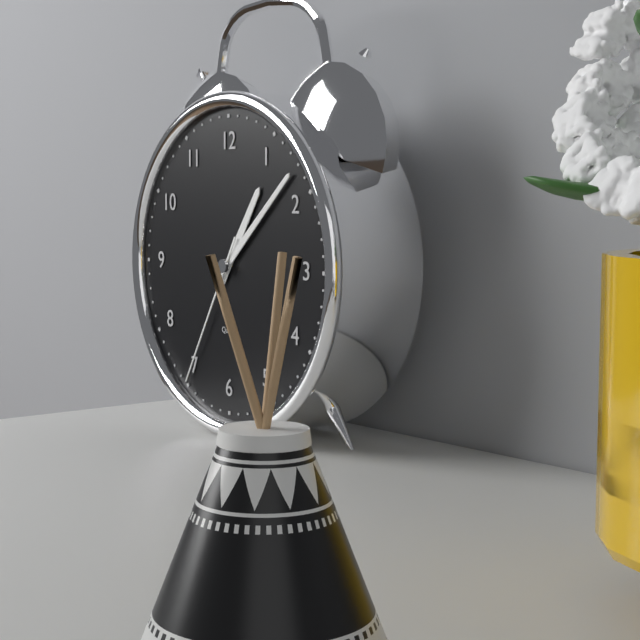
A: 1 h 08 min 35 s
